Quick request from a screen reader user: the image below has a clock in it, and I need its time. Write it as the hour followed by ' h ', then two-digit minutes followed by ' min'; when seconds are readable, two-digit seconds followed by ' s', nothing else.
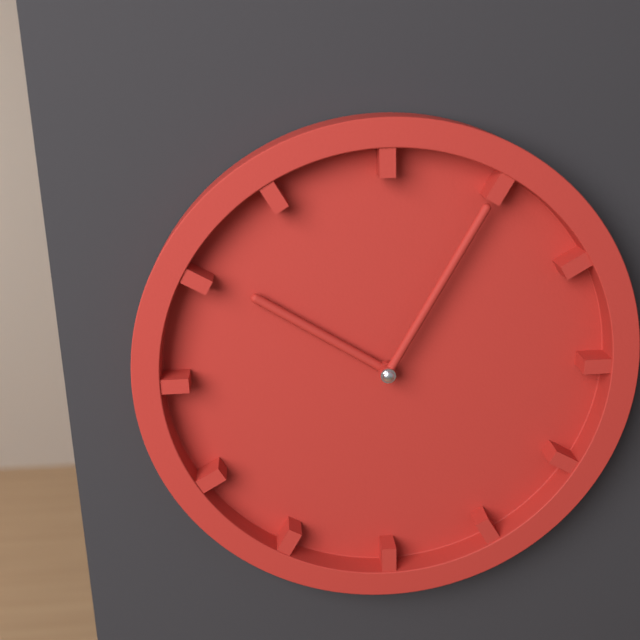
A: 10 h 05 min
